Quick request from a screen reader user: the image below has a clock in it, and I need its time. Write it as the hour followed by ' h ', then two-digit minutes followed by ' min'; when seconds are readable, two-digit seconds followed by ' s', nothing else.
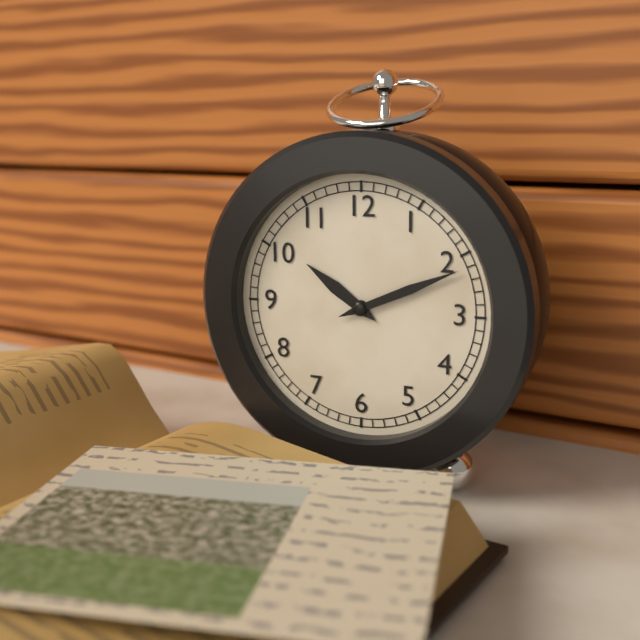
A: 10 h 11 min
